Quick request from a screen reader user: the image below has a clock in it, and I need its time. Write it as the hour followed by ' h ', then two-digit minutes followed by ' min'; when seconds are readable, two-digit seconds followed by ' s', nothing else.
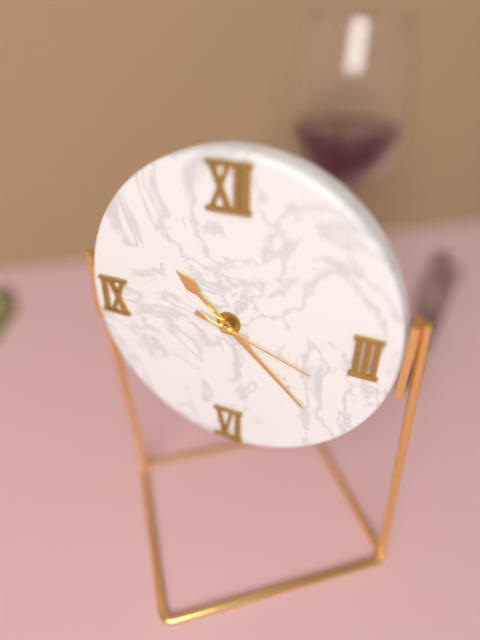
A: 10 h 22 min 18 s
